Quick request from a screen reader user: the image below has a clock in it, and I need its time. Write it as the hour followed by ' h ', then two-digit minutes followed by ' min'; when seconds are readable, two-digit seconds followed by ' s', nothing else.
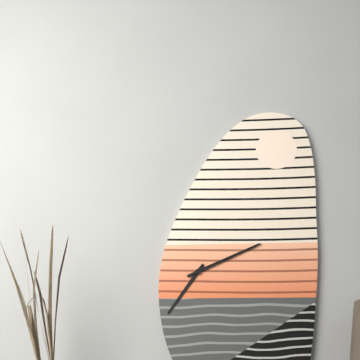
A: 7 h 11 min
